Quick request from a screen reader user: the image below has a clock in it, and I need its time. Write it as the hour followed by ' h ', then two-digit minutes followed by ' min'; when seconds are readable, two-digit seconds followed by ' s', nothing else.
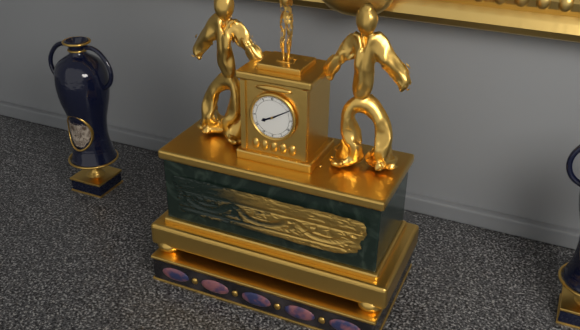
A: 8 h 10 min
